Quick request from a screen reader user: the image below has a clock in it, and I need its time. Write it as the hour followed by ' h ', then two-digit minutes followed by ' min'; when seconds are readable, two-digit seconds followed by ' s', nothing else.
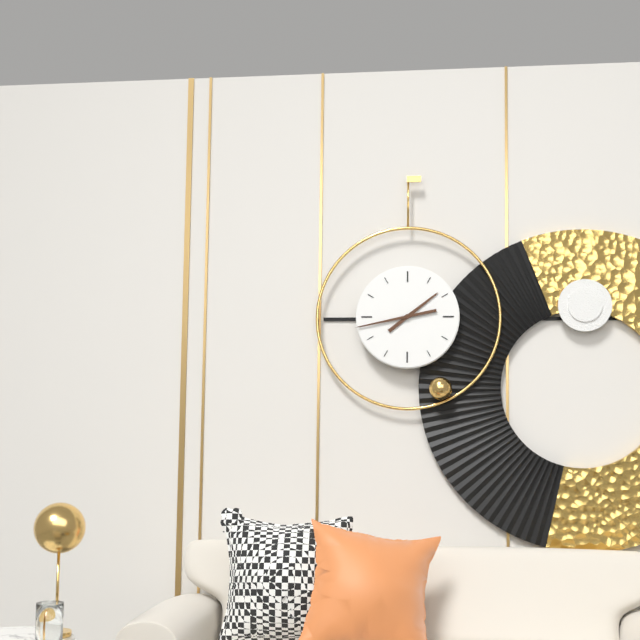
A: 1 h 43 min
